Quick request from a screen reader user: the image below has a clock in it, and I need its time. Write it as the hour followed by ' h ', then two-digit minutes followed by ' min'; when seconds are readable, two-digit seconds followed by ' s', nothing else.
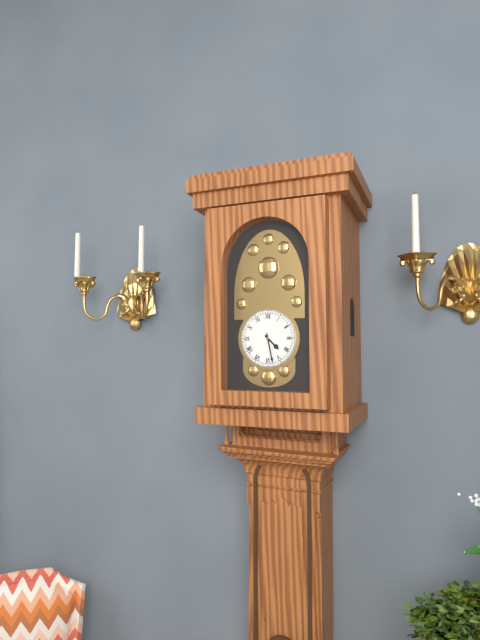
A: 4 h 28 min
